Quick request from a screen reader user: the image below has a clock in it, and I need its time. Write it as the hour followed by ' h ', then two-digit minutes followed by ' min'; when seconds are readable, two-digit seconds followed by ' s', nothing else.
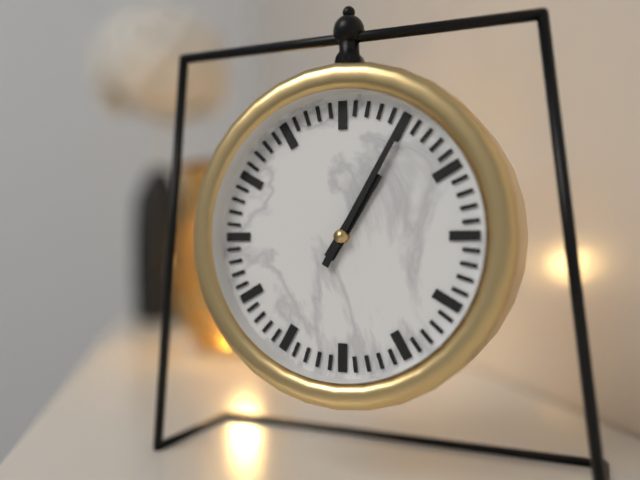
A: 1 h 05 min
